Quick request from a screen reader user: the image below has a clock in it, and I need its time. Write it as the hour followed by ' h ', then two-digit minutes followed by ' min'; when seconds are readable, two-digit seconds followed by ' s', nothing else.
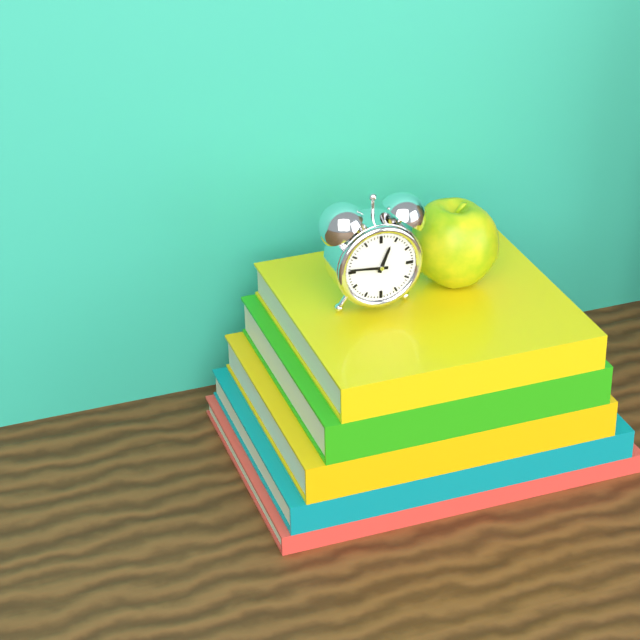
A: 12 h 46 min
